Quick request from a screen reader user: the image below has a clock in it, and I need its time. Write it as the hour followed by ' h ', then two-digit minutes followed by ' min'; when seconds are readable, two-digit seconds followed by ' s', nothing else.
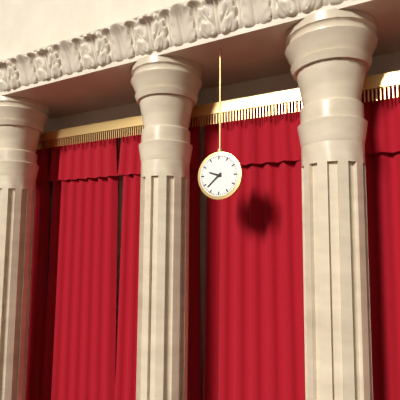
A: 9 h 38 min
